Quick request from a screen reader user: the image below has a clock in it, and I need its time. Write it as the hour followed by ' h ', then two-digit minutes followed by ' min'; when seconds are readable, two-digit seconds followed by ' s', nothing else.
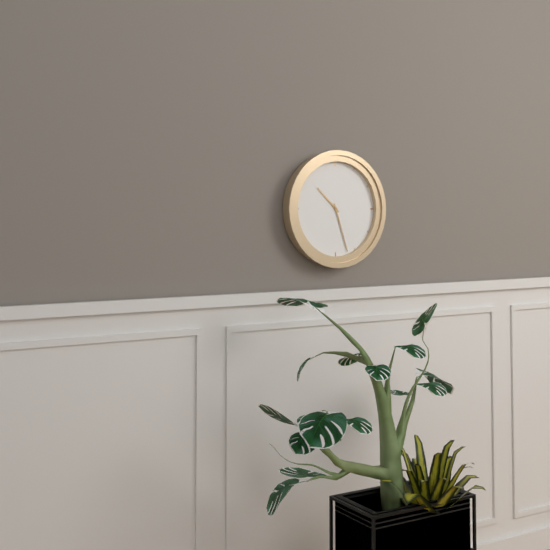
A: 10 h 27 min
